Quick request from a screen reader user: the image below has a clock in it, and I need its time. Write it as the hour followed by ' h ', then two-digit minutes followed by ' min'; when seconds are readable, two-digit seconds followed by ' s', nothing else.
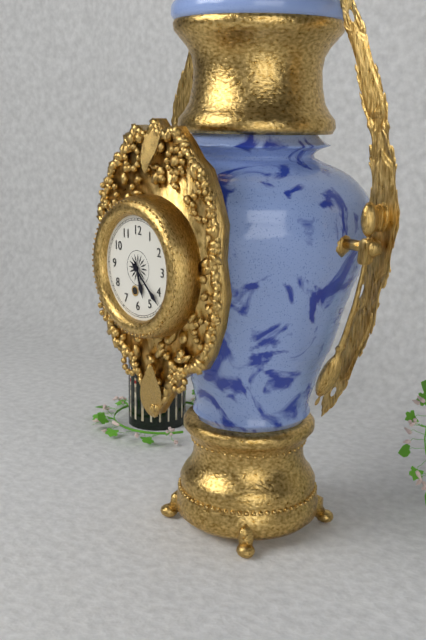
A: 5 h 22 min
